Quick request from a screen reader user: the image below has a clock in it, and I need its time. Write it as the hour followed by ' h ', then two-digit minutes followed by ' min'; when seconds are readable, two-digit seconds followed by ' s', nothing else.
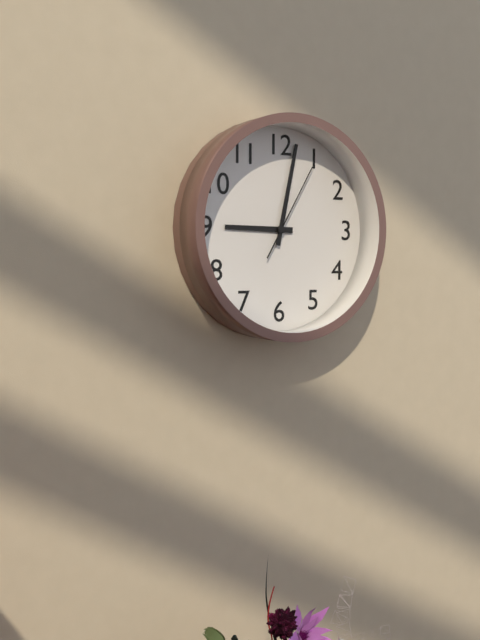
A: 9 h 02 min 05 s
